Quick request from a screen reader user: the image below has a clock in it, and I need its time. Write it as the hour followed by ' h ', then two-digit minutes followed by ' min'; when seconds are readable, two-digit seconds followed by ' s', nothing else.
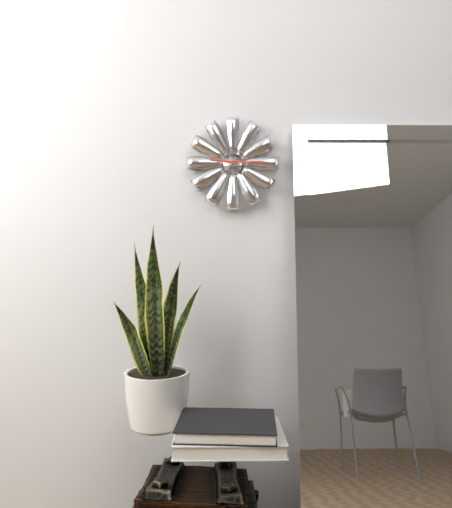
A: 9 h 15 min
